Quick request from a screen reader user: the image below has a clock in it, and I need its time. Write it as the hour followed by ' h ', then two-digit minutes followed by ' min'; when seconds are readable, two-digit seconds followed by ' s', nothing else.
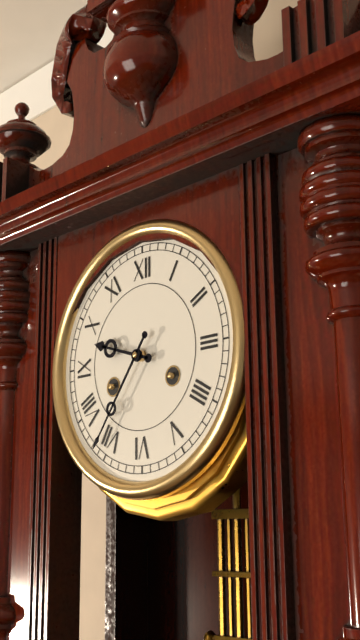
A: 9 h 36 min
